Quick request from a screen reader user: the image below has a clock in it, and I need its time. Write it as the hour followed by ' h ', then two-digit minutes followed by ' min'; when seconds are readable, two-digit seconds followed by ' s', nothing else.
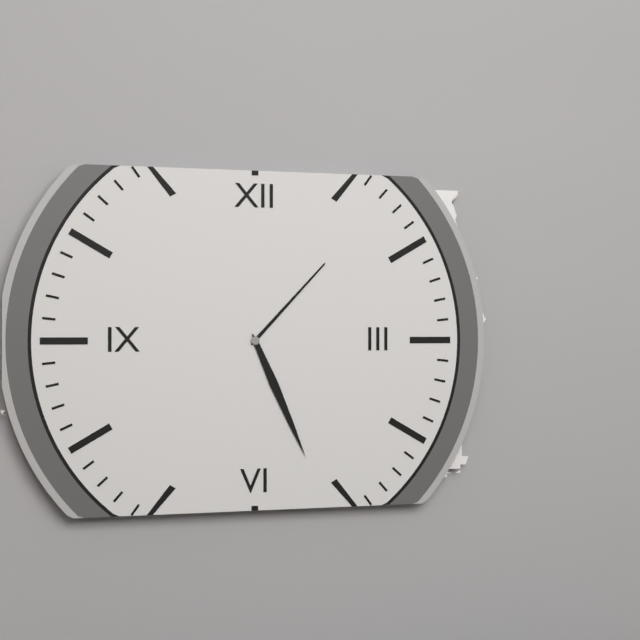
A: 1 h 26 min
